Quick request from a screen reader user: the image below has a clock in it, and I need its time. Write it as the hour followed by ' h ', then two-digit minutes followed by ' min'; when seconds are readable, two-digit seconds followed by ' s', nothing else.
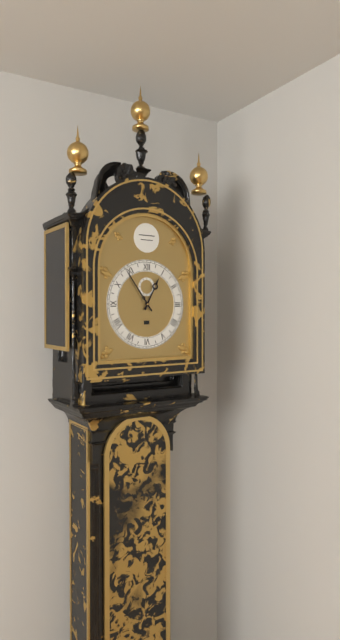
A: 12 h 54 min
